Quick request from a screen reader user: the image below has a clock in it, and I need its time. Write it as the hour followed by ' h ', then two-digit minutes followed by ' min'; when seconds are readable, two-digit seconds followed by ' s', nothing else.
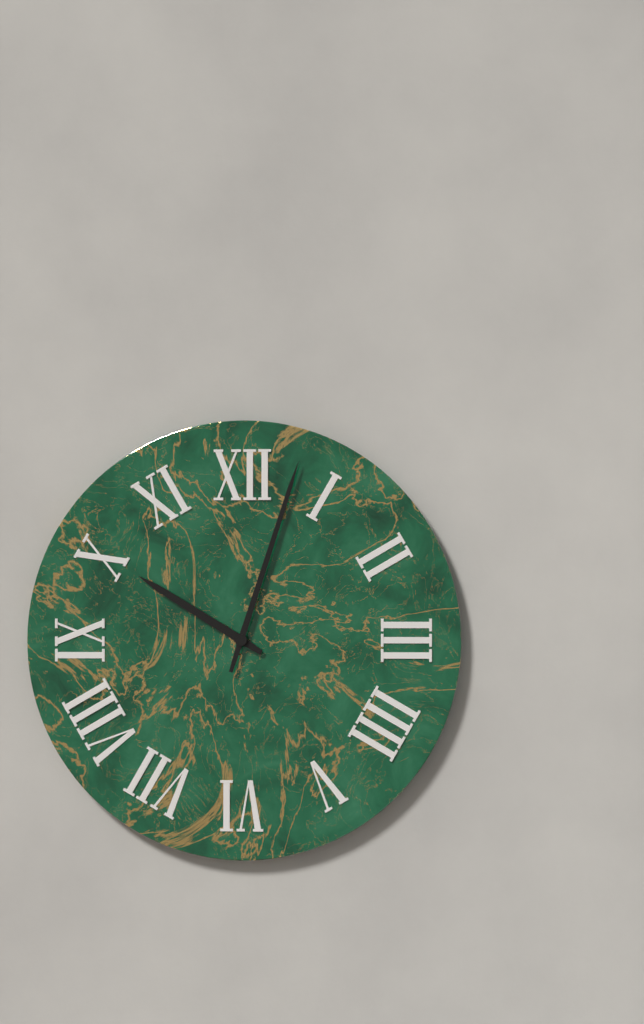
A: 10 h 03 min
